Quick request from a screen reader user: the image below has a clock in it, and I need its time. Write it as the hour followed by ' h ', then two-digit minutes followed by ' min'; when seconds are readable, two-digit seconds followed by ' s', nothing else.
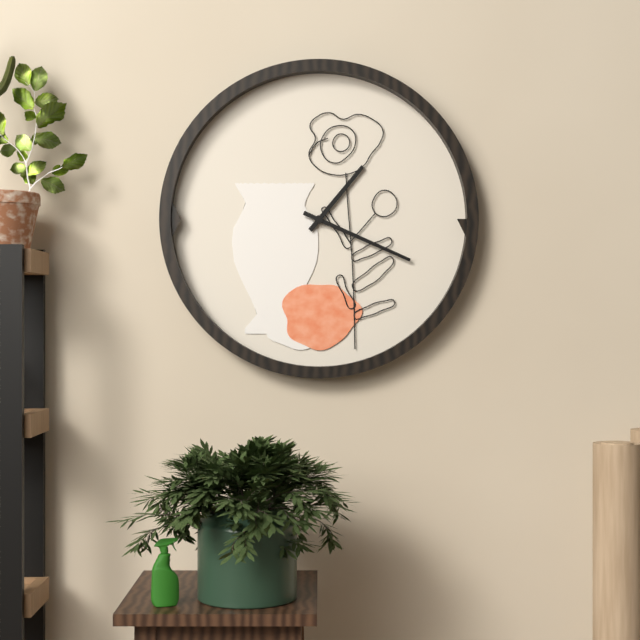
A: 1 h 19 min
